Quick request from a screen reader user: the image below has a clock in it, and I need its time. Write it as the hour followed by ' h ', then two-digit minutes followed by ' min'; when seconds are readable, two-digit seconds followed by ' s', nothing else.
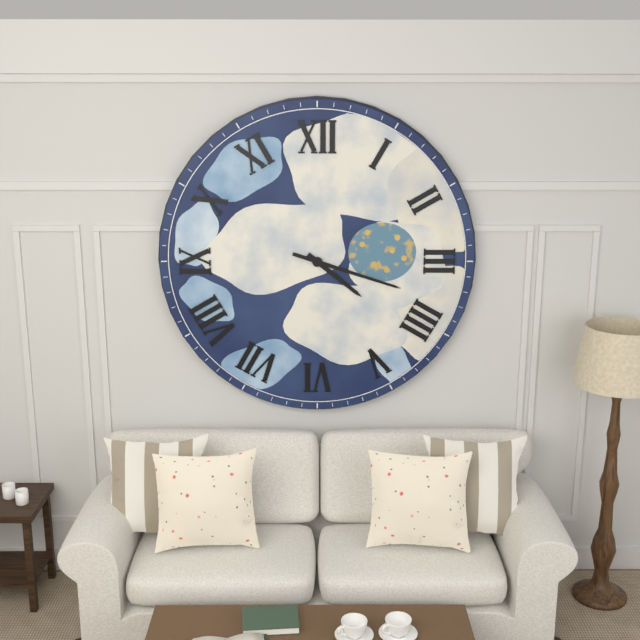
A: 4 h 18 min
